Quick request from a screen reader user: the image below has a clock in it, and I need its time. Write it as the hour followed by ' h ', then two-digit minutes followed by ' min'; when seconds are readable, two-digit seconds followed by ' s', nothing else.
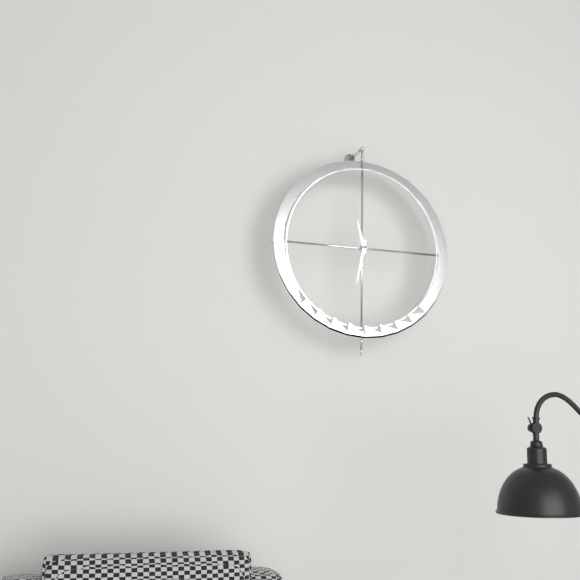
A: 11 h 32 min
